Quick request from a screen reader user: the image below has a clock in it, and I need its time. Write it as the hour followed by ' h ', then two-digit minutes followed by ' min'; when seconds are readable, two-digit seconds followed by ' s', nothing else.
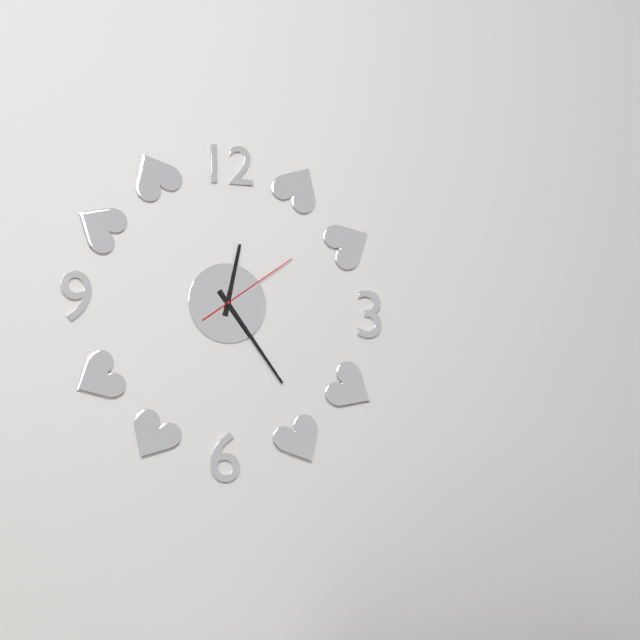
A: 12 h 24 min 09 s
